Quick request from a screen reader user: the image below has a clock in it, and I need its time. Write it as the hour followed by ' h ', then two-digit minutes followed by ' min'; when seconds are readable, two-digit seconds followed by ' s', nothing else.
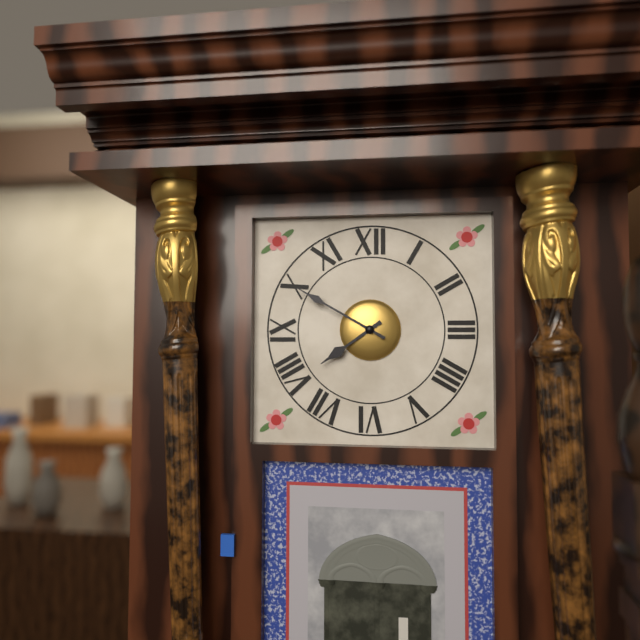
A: 7 h 50 min
